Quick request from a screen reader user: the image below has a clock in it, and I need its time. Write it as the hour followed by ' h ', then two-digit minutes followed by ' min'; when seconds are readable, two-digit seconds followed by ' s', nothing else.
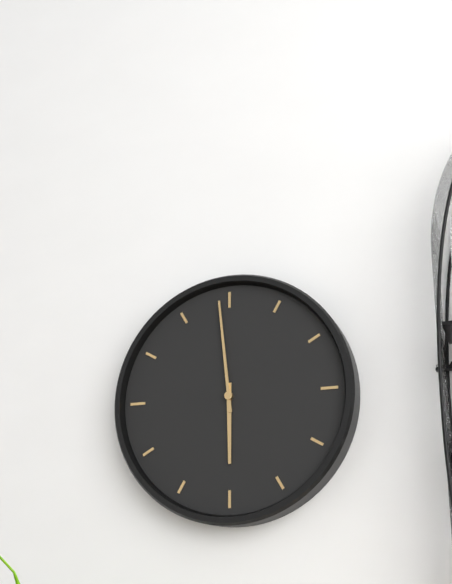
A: 5 h 59 min
